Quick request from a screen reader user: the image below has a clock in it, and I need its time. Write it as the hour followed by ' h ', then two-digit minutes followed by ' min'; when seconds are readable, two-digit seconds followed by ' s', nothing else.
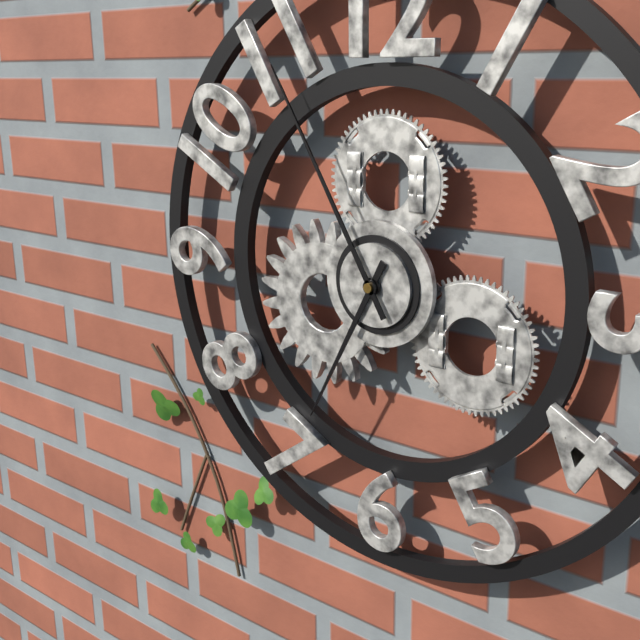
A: 6 h 55 min
